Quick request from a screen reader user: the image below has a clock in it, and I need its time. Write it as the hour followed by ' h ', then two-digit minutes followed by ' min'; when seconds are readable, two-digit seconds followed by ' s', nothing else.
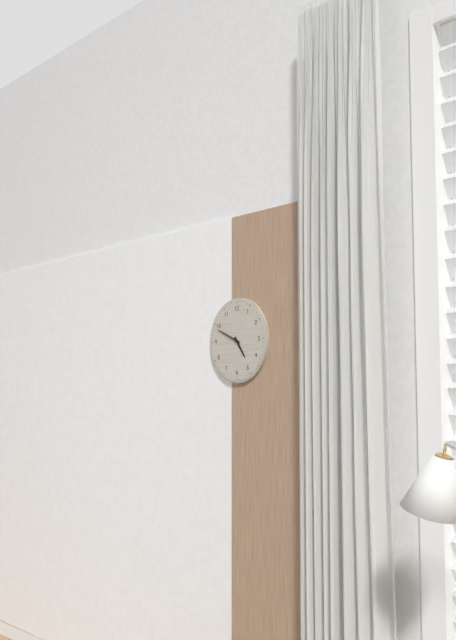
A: 4 h 49 min
